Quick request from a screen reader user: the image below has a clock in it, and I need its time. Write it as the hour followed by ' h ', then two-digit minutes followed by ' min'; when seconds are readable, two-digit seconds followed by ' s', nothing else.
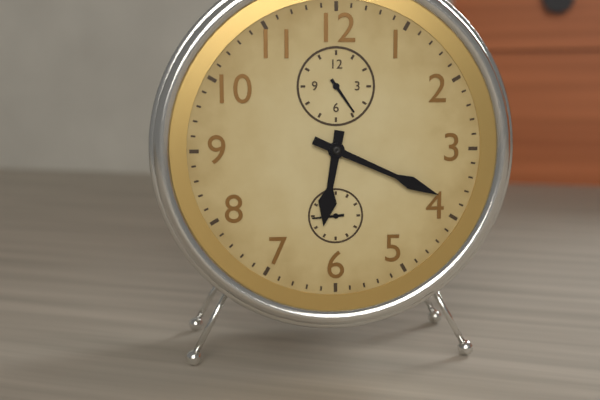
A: 6 h 19 min
